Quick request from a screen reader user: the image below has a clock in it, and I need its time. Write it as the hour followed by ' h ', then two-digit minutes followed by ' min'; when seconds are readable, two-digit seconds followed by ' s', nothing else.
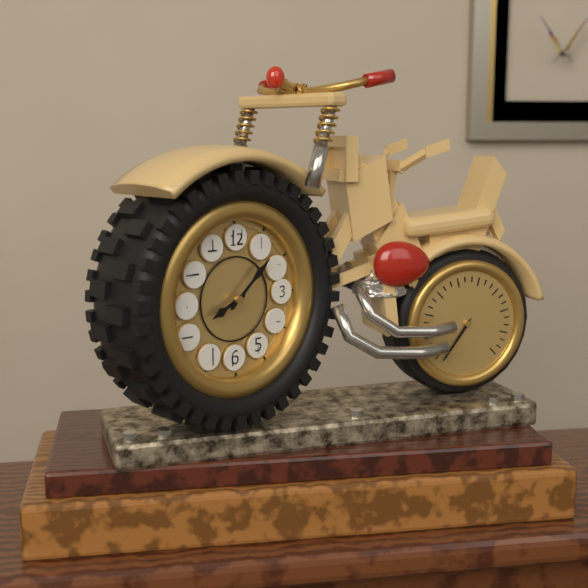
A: 8 h 08 min
